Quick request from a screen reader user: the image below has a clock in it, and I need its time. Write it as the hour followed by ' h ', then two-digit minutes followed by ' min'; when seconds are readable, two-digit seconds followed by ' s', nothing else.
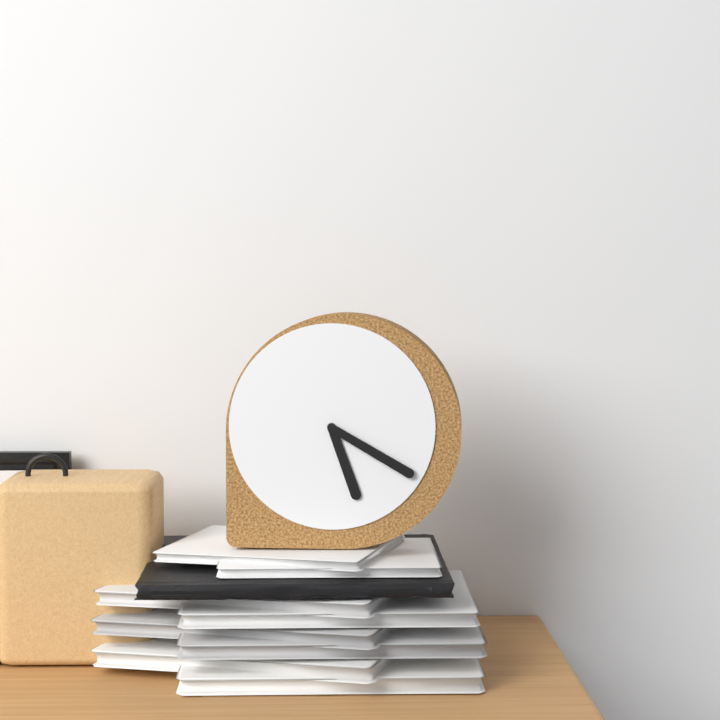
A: 5 h 20 min
